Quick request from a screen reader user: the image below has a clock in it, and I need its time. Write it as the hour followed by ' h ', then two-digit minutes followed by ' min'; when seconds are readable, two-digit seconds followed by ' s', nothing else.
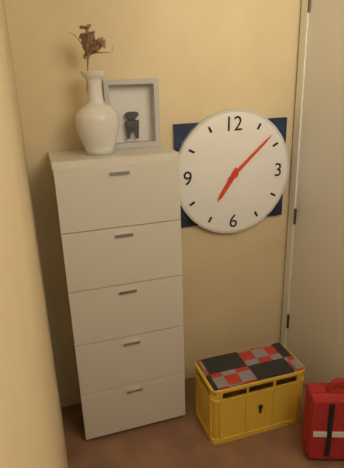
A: 7 h 08 min
